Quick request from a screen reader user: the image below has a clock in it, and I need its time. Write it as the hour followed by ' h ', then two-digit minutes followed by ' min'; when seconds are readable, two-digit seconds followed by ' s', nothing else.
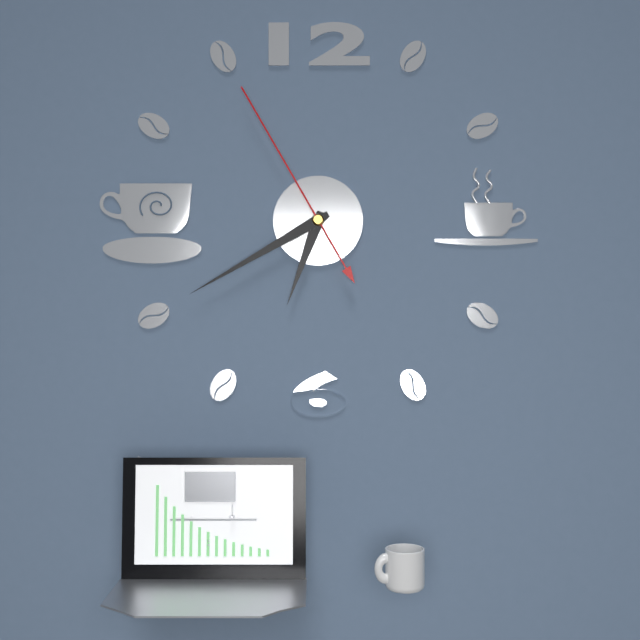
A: 6 h 40 min 55 s
